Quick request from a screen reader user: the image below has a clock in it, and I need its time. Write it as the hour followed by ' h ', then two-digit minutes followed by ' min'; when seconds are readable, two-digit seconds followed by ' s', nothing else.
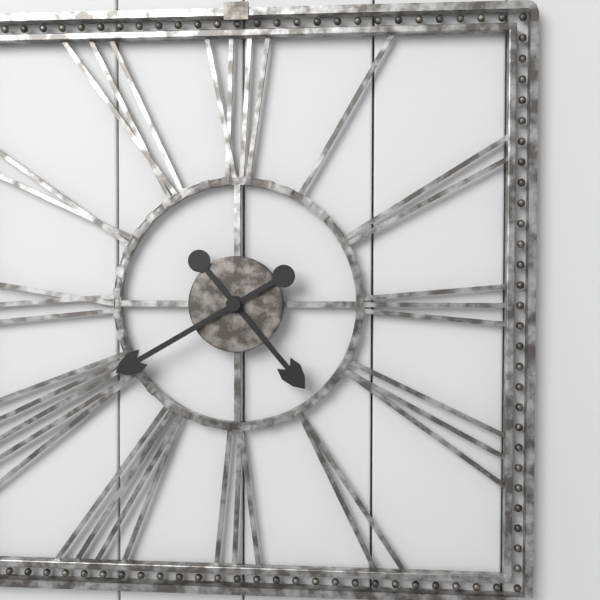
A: 4 h 40 min
